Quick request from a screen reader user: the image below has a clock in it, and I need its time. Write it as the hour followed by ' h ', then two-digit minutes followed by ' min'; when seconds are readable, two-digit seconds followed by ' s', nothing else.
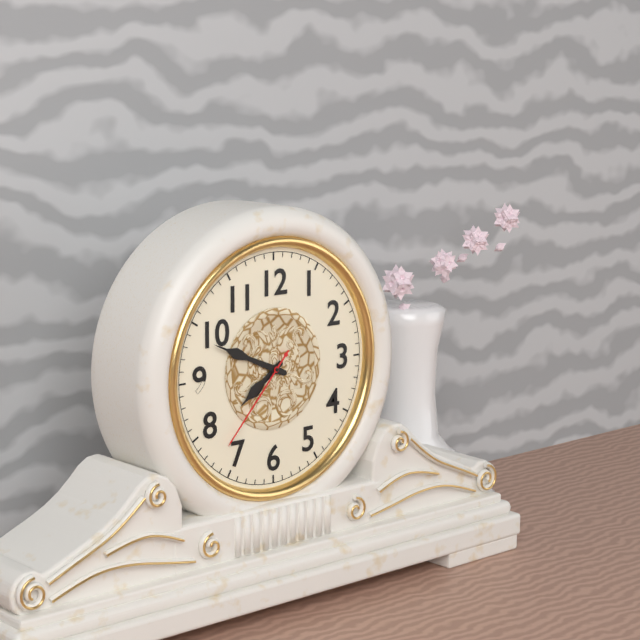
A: 7 h 49 min 37 s
